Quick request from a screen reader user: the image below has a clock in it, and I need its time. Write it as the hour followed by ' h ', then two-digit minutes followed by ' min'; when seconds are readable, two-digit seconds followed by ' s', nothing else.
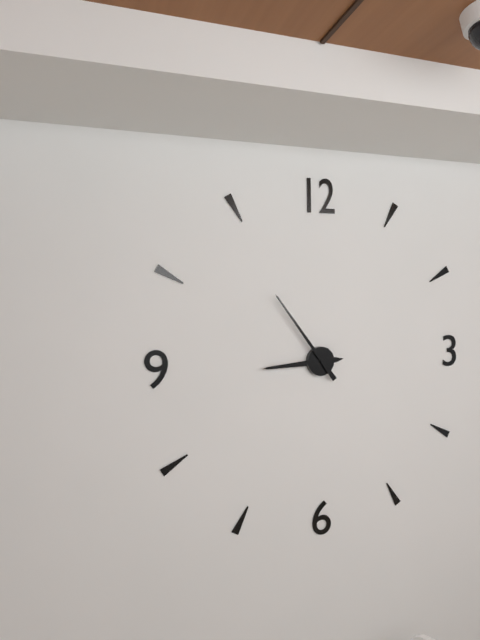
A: 8 h 54 min
